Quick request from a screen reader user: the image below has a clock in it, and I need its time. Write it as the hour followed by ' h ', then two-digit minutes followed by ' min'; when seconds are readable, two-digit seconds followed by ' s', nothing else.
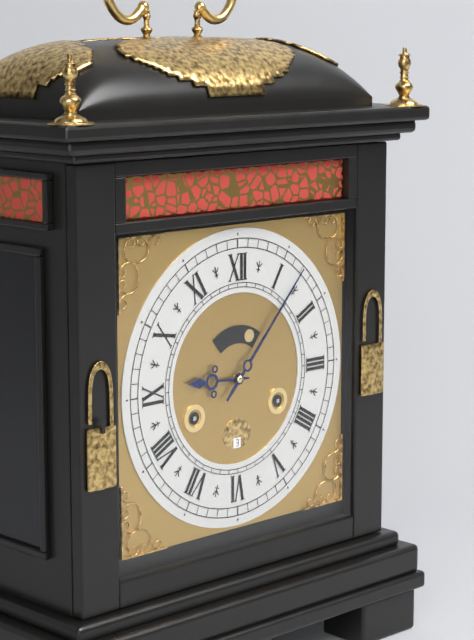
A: 9 h 07 min
